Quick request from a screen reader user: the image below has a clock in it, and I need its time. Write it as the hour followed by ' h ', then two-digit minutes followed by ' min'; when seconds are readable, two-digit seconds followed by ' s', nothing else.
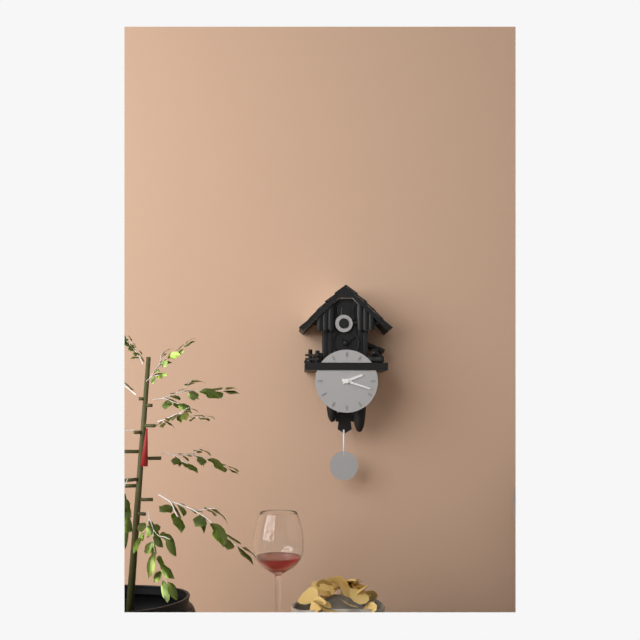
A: 2 h 18 min
